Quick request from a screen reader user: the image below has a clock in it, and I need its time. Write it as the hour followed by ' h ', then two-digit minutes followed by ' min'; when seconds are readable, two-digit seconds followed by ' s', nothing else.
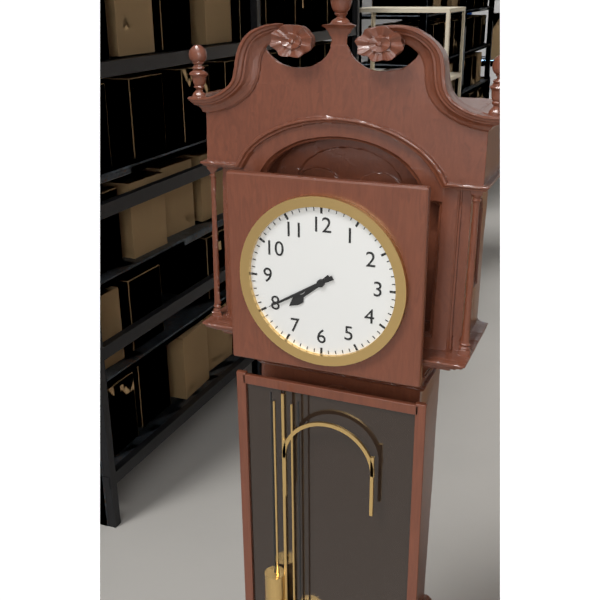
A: 7 h 40 min
